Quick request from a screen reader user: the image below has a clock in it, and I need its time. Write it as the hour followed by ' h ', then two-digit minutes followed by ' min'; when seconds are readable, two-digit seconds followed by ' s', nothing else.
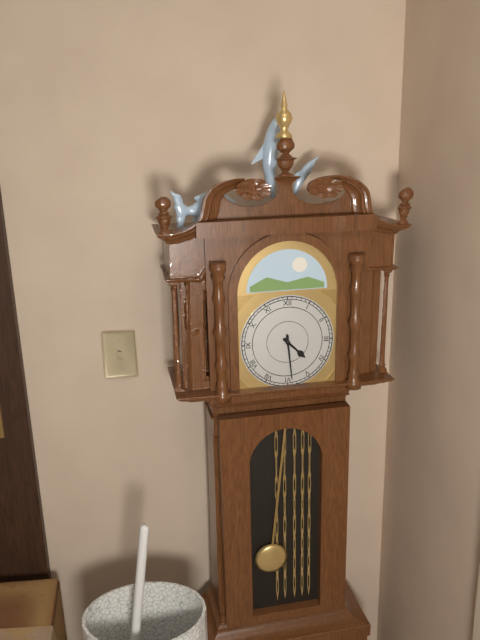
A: 4 h 29 min
